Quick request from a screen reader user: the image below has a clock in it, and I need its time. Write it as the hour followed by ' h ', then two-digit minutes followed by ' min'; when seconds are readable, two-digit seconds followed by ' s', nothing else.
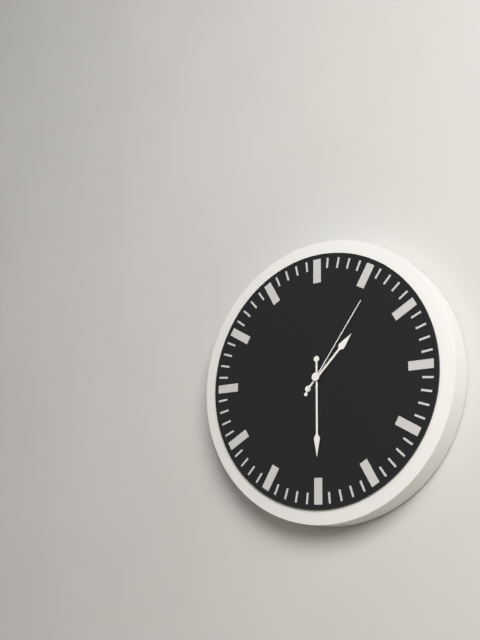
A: 1 h 30 min 06 s
